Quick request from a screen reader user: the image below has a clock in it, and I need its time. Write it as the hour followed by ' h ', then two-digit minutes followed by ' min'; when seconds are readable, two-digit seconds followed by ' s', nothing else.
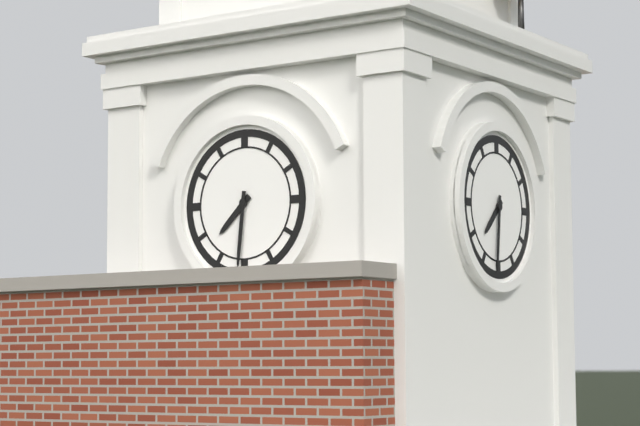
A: 7 h 31 min
